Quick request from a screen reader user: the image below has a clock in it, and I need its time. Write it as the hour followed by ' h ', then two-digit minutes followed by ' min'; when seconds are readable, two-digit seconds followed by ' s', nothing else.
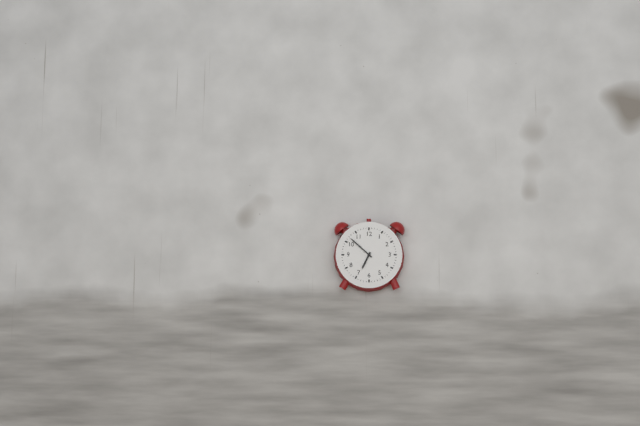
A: 6 h 52 min
